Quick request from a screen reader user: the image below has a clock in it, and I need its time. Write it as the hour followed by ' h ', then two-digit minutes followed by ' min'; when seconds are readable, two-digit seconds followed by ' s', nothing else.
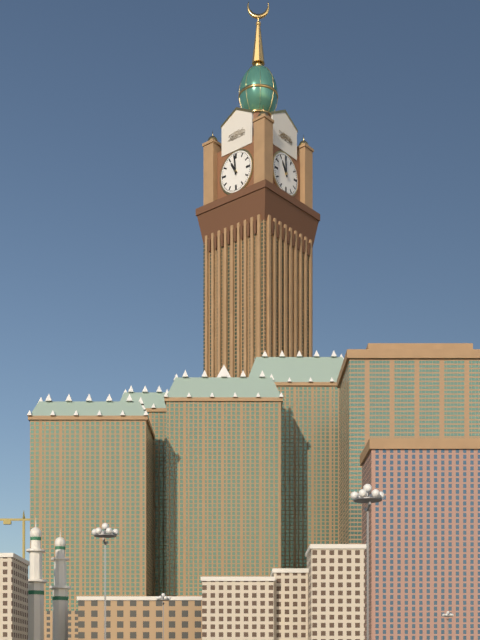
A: 10 h 59 min
